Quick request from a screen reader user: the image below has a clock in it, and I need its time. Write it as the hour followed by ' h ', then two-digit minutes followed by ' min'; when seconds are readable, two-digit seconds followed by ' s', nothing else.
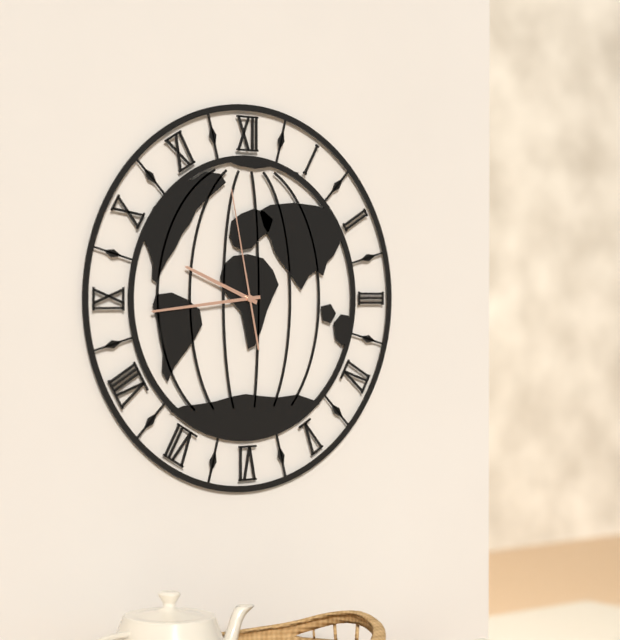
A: 9 h 44 min 58 s
